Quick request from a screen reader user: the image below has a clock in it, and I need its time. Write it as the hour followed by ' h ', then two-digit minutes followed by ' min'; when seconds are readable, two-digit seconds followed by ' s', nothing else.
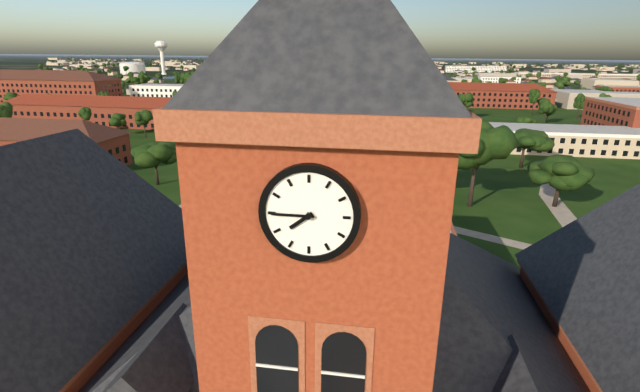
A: 7 h 45 min
